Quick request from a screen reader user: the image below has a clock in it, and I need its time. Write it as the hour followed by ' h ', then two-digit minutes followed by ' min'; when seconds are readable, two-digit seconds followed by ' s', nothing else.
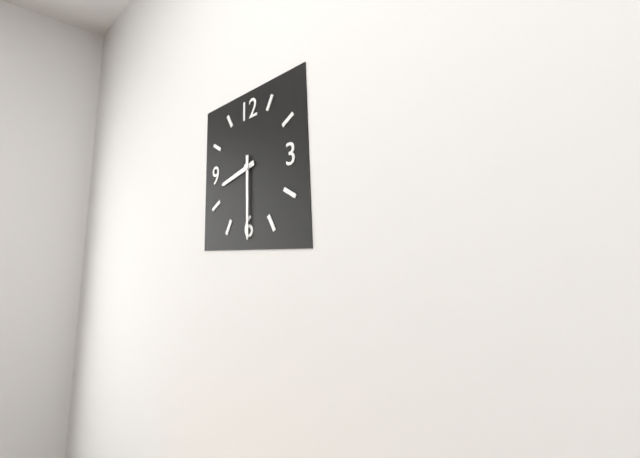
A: 8 h 30 min
